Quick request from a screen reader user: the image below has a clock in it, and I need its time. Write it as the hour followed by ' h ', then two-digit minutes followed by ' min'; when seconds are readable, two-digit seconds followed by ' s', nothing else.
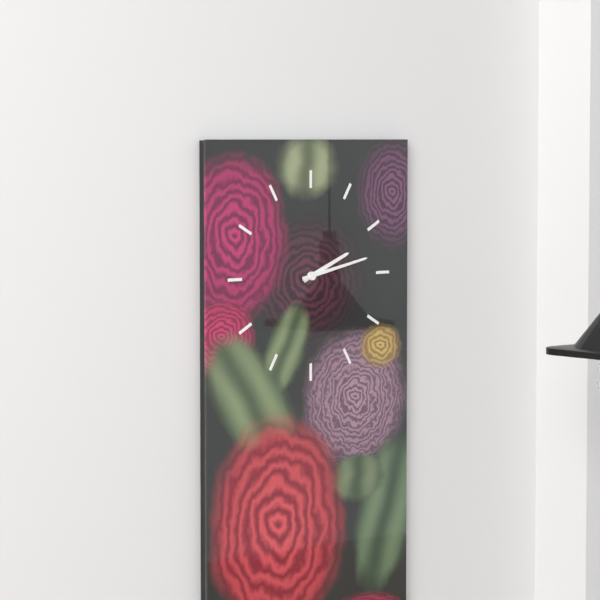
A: 2 h 13 min
